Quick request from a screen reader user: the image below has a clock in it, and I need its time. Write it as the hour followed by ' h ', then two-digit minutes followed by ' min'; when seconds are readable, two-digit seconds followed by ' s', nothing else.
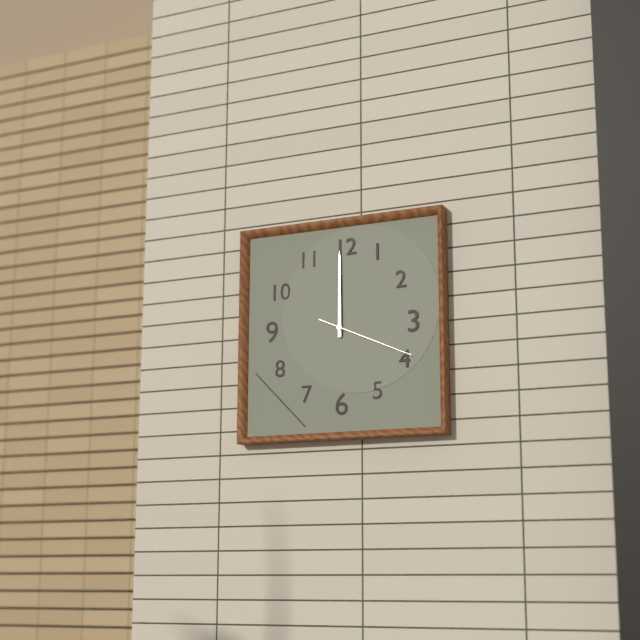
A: 12 h 00 min 19 s
